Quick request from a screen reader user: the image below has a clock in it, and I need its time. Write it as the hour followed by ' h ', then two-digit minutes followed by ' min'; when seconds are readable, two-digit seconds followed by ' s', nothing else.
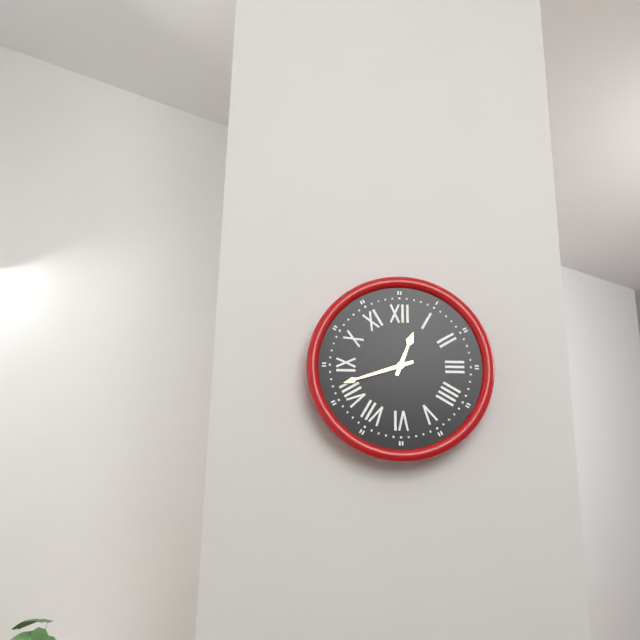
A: 12 h 42 min
